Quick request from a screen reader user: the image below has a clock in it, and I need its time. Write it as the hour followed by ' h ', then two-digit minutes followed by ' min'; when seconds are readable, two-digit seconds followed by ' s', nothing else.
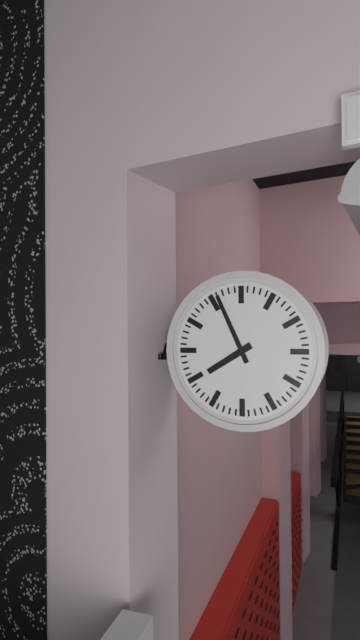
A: 7 h 56 min
